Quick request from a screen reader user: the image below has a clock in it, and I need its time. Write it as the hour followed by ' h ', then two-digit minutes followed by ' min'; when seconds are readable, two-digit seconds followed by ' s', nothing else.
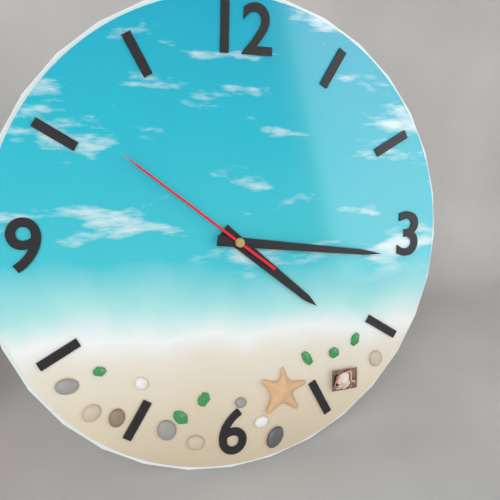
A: 4 h 16 min 51 s
